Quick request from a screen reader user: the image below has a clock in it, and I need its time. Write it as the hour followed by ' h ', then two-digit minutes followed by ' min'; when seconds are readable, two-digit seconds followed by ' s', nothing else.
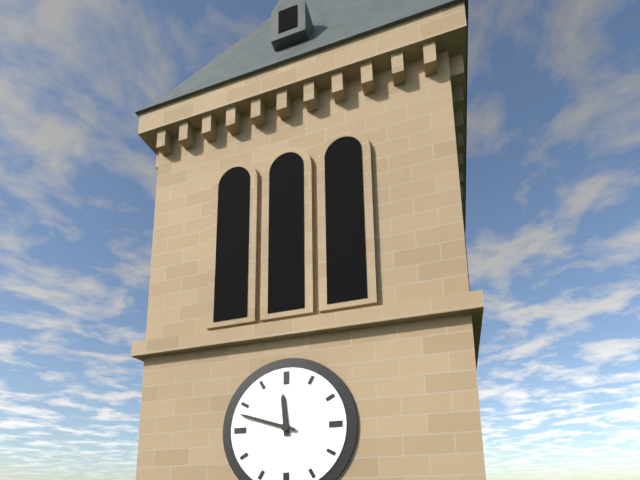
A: 11 h 48 min
